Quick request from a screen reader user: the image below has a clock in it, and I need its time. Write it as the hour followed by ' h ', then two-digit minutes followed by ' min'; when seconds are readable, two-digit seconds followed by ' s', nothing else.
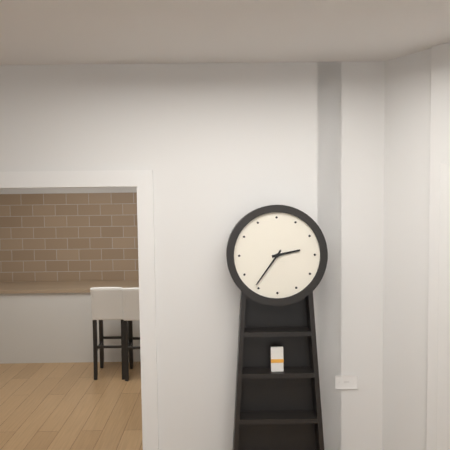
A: 2 h 36 min
